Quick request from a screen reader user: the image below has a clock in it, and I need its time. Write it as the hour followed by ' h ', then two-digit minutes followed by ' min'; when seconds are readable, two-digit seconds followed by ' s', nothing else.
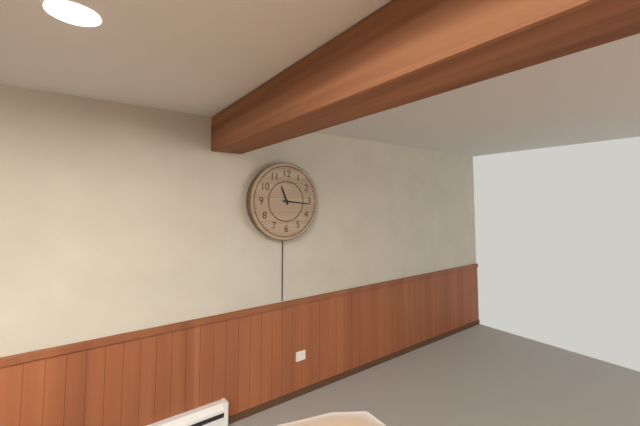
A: 11 h 16 min
